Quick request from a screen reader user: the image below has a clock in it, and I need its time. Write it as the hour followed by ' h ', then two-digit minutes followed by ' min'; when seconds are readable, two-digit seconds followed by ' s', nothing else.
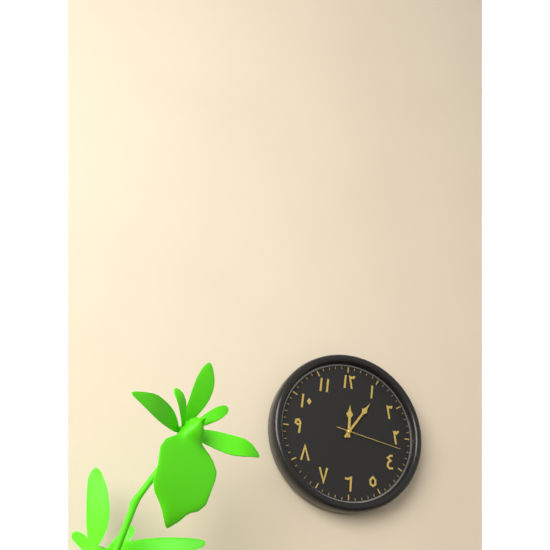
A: 12 h 06 min 17 s
